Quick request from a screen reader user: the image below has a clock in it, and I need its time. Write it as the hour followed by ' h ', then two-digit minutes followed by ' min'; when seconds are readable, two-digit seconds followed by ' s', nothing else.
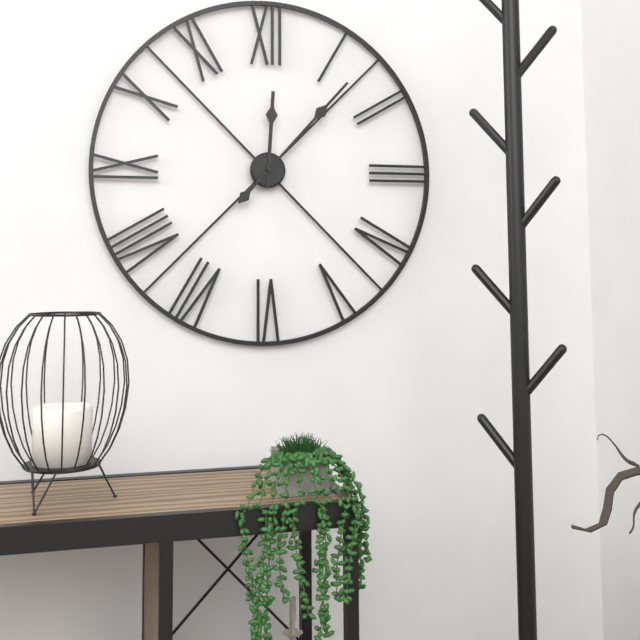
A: 12 h 07 min
